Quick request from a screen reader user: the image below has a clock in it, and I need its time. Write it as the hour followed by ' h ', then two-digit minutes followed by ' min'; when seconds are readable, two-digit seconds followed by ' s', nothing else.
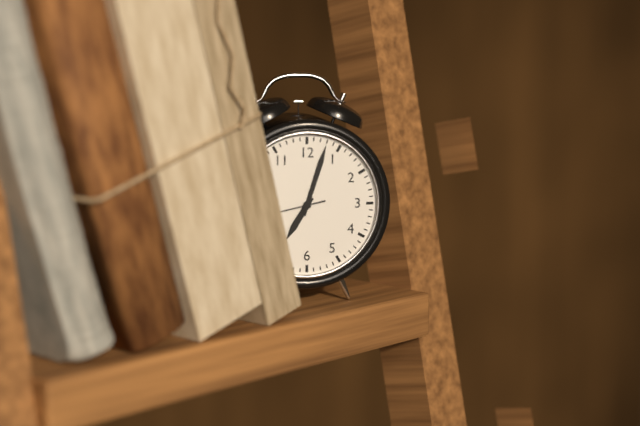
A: 7 h 03 min
